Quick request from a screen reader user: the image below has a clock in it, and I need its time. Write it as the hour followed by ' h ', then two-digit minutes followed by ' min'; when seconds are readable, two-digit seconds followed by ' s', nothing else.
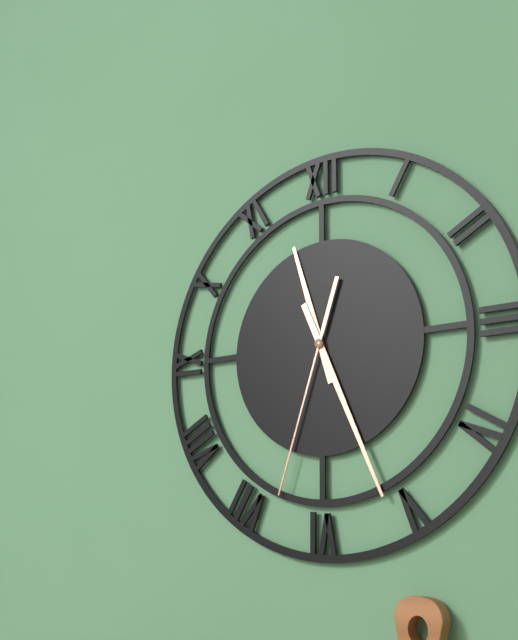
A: 11 h 26 min 33 s
